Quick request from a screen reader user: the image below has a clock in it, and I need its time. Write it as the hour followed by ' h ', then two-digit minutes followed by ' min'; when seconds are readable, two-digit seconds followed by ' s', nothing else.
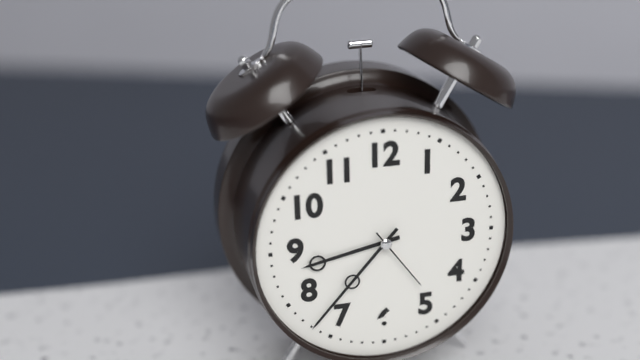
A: 8 h 37 min 24 s
